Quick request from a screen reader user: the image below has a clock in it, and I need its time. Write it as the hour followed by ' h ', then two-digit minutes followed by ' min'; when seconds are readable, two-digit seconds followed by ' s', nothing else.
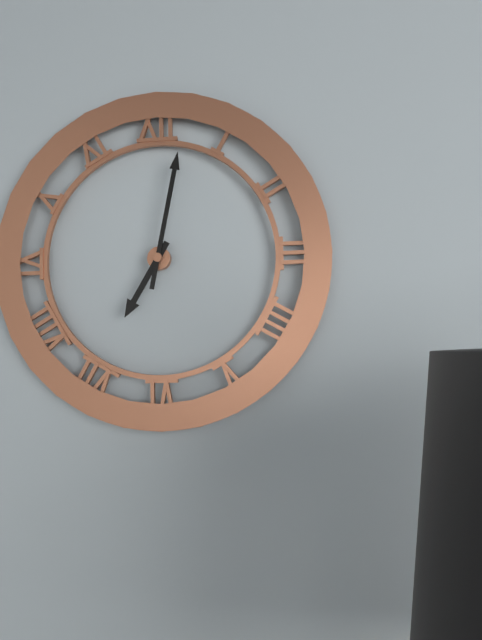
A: 7 h 02 min
